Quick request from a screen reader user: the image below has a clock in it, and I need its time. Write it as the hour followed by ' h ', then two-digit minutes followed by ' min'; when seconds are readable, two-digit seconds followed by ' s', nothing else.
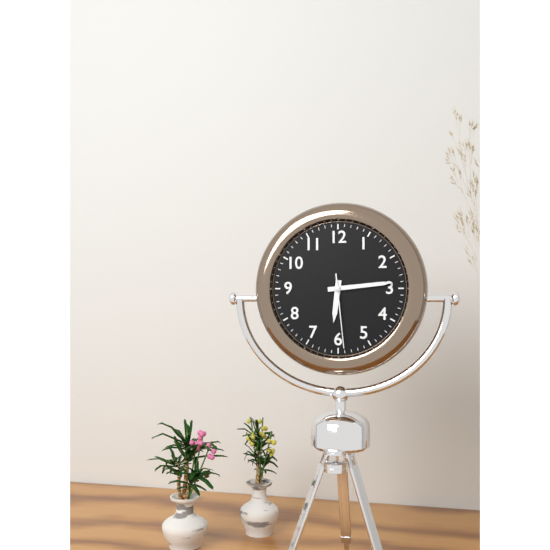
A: 6 h 14 min 29 s
